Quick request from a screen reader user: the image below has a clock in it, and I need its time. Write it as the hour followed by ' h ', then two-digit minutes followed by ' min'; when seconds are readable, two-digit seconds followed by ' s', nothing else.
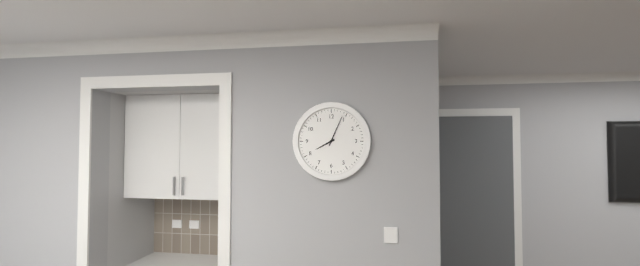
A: 8 h 04 min
